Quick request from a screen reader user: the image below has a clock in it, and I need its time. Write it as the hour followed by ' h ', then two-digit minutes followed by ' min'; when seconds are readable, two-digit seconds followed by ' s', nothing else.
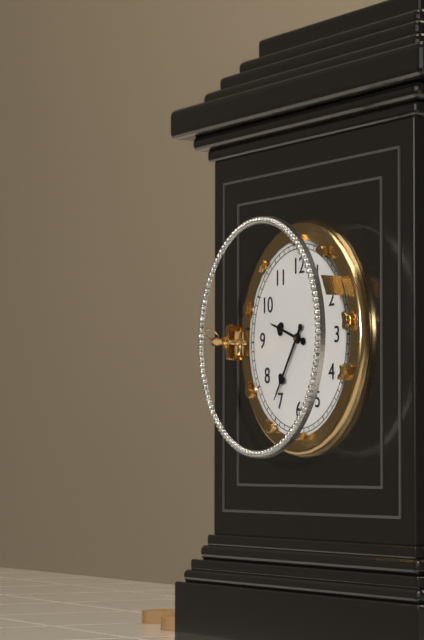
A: 9 h 36 min
